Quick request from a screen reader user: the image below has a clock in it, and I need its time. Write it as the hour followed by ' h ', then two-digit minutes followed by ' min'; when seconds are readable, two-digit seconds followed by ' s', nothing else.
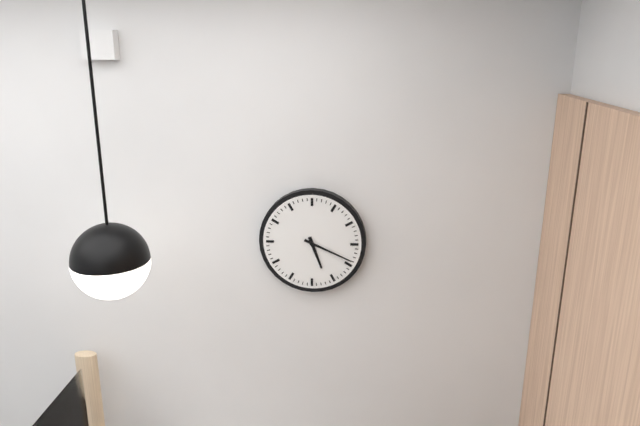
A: 5 h 19 min
